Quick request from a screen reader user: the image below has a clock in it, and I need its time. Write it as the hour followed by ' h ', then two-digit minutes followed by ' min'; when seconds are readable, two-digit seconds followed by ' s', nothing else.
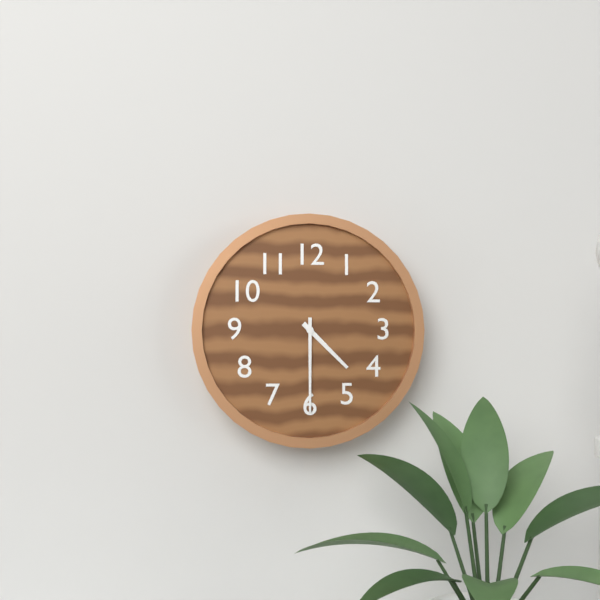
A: 4 h 30 min
